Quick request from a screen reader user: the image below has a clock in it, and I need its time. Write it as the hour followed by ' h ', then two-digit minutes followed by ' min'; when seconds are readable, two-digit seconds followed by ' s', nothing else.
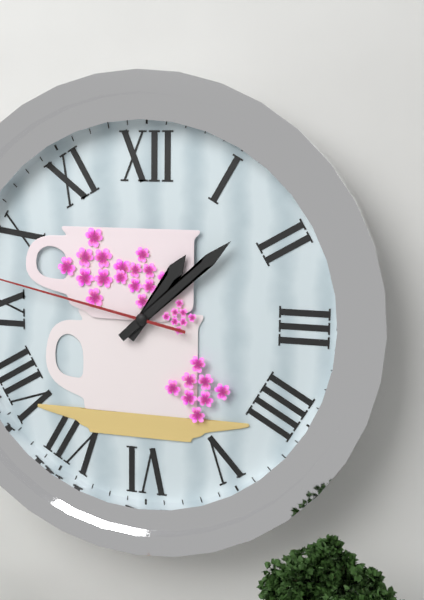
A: 1 h 08 min
